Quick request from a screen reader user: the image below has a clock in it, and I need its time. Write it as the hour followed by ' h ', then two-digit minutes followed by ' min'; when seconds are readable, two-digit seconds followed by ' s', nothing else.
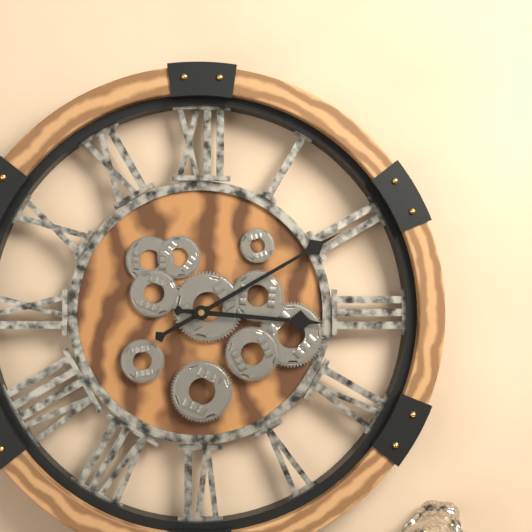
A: 3 h 10 min
